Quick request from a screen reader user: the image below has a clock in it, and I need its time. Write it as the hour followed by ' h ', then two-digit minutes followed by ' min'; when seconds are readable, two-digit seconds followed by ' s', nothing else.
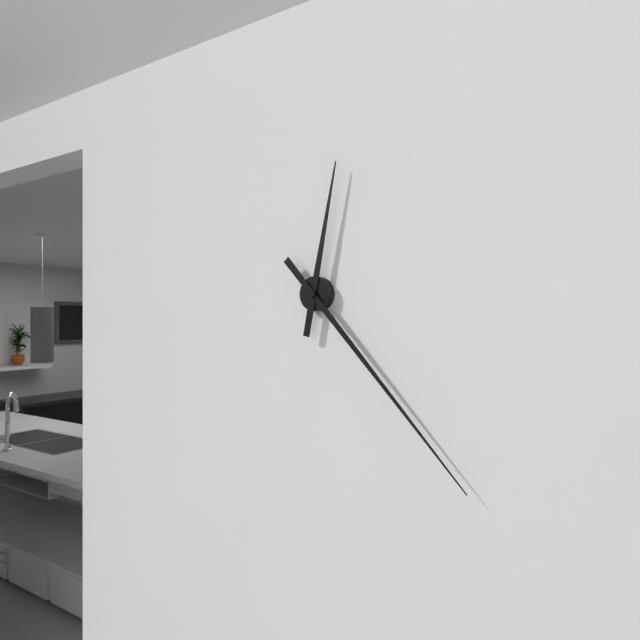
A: 12 h 23 min
